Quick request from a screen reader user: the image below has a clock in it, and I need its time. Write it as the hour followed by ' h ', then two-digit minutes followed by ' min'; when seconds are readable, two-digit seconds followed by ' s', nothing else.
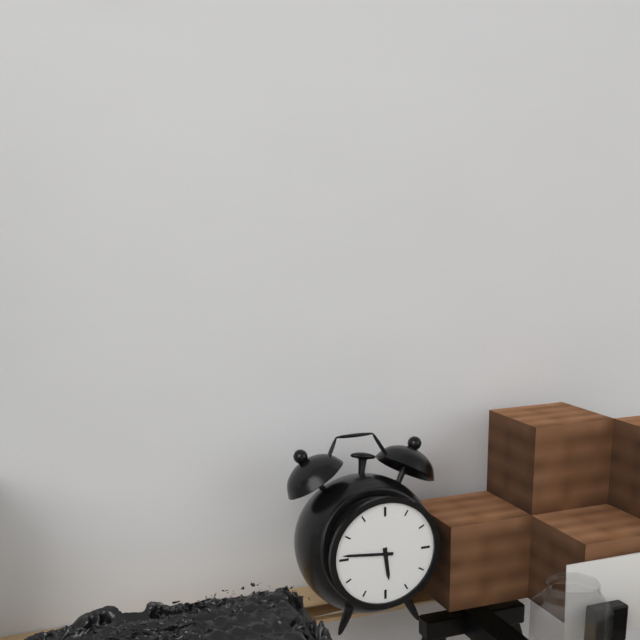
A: 5 h 46 min
